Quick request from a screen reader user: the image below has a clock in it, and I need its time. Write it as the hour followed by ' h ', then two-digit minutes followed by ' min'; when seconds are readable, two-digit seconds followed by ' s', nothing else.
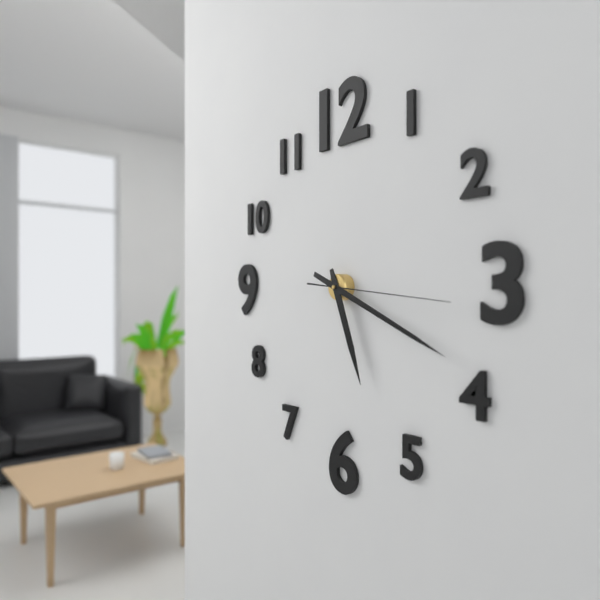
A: 5 h 19 min 16 s
